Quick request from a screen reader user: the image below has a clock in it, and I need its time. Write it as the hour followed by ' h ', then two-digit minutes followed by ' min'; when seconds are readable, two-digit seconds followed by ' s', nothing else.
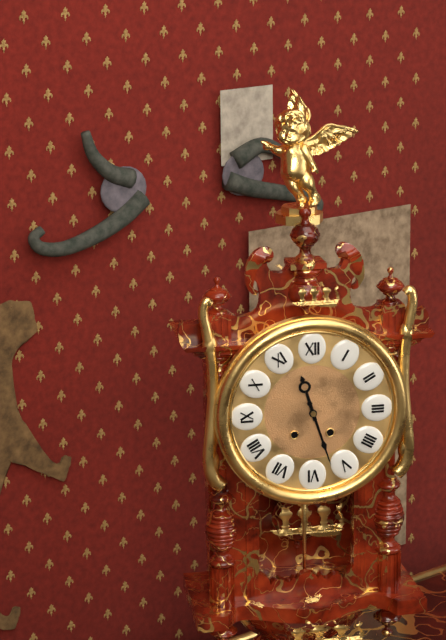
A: 11 h 27 min
